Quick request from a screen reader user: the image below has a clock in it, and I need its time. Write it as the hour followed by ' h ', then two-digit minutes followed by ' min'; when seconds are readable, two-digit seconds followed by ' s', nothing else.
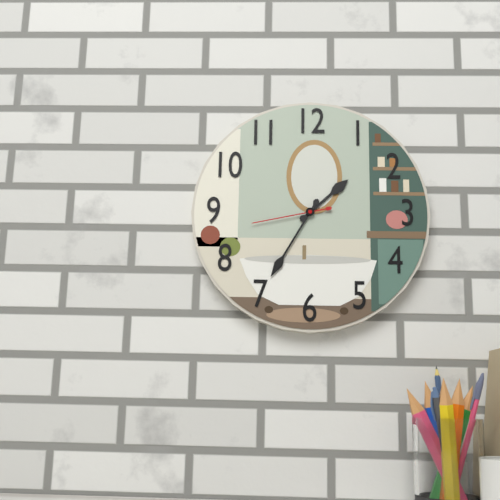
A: 1 h 35 min 43 s
